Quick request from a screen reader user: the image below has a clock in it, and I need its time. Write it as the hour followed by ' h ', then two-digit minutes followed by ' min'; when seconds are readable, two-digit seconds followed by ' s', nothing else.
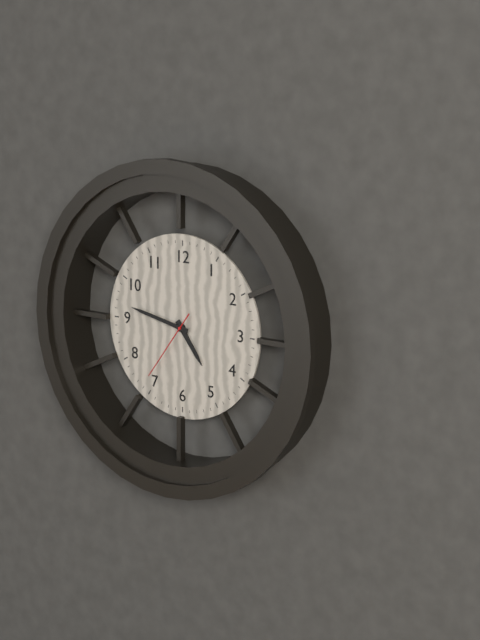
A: 4 h 47 min 36 s
